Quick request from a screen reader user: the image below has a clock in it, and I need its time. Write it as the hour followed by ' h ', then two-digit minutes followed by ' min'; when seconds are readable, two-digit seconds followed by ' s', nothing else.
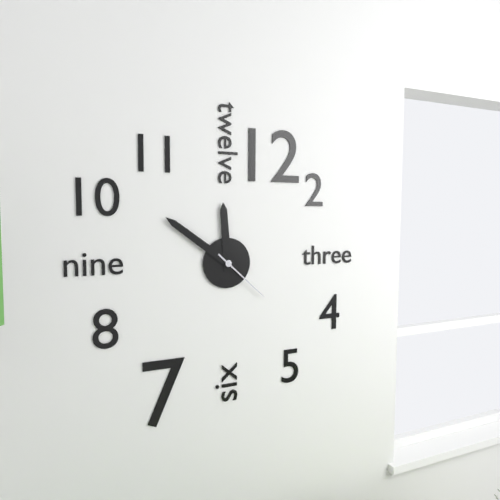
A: 11 h 51 min 22 s
